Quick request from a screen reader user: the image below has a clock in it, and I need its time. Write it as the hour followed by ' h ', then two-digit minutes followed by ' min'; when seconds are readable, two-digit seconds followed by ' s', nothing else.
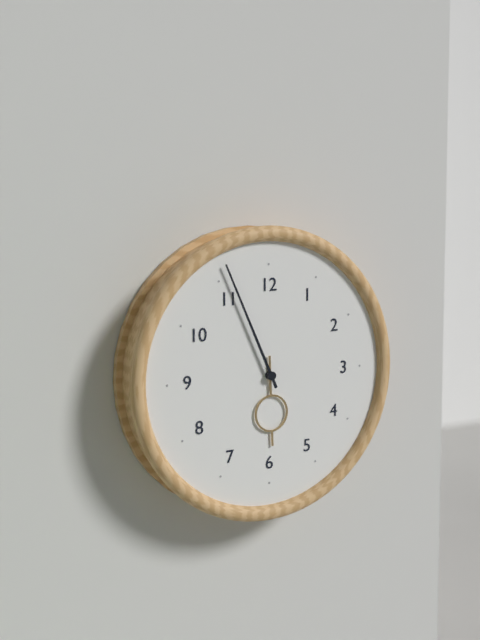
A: 5 h 56 min
